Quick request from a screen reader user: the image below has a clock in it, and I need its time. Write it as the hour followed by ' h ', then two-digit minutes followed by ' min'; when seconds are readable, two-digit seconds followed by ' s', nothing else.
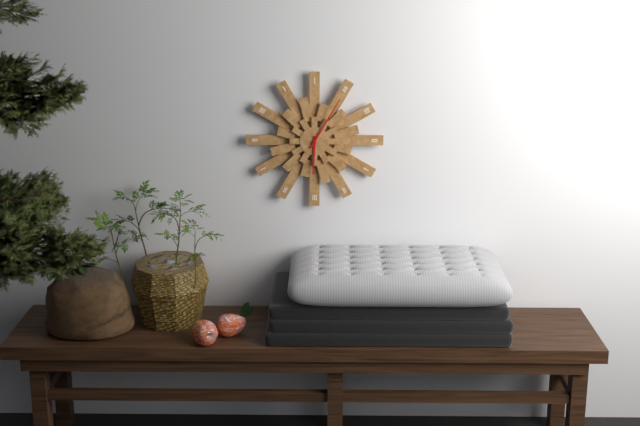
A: 6 h 05 min
